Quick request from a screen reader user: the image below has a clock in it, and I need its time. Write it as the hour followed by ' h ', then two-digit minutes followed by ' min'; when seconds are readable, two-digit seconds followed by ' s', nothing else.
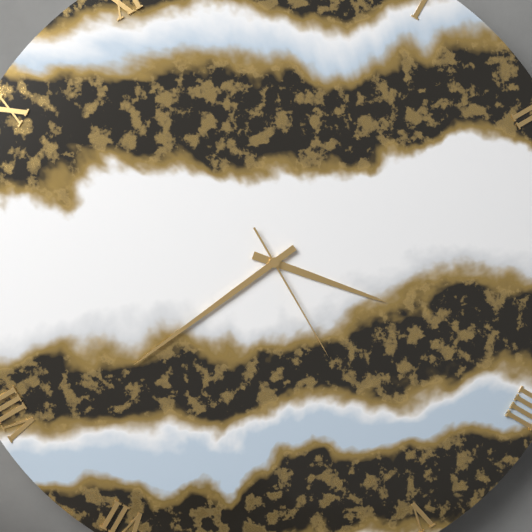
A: 3 h 39 min 25 s
